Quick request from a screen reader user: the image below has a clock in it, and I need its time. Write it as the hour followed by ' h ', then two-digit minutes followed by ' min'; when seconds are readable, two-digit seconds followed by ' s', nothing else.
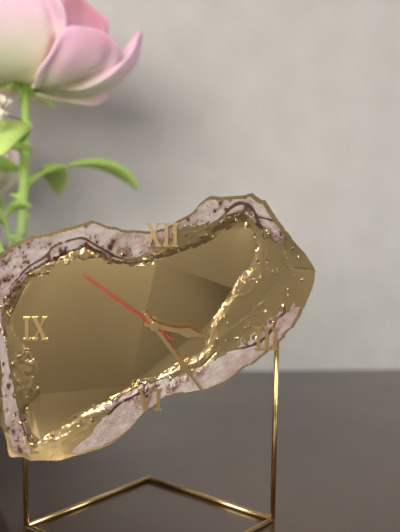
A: 3 h 24 min 51 s
